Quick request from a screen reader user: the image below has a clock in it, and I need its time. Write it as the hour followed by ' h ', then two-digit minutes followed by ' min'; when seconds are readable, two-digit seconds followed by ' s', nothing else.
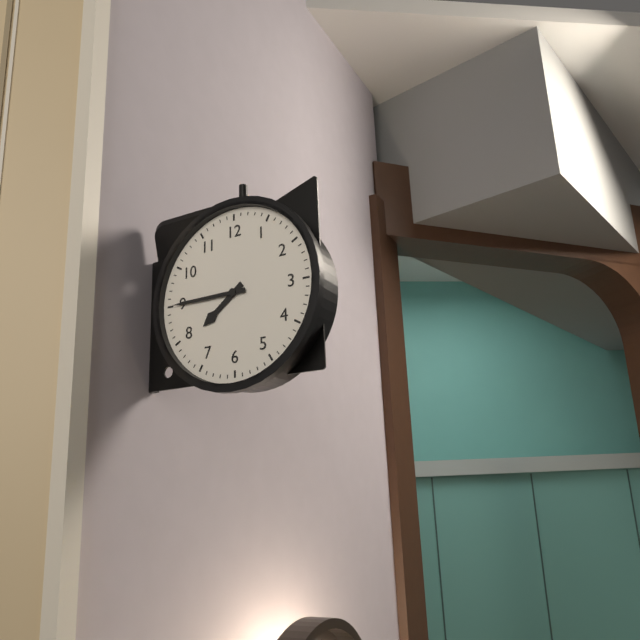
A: 7 h 45 min
